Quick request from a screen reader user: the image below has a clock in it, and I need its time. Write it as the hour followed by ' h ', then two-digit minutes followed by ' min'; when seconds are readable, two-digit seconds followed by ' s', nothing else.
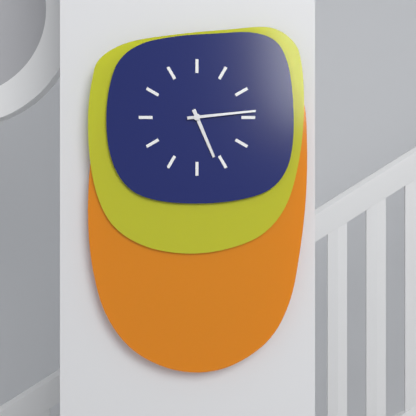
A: 5 h 14 min
